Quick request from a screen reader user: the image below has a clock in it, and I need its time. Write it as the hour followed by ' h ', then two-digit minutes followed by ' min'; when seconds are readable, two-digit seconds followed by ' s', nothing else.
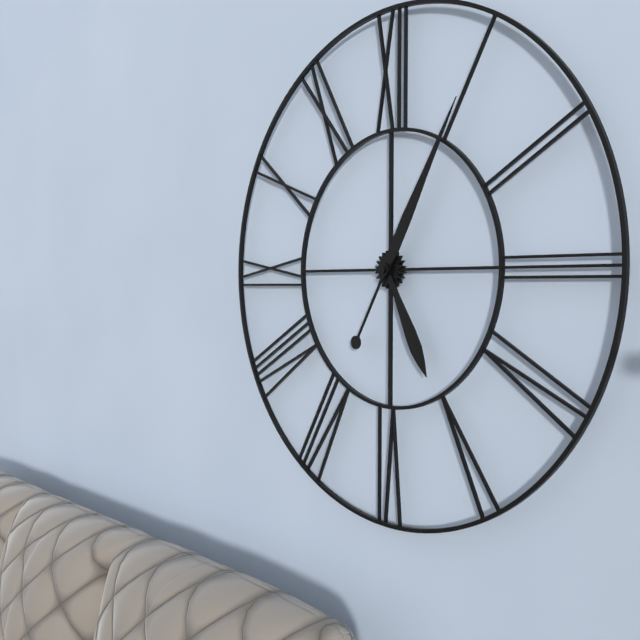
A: 5 h 05 min
